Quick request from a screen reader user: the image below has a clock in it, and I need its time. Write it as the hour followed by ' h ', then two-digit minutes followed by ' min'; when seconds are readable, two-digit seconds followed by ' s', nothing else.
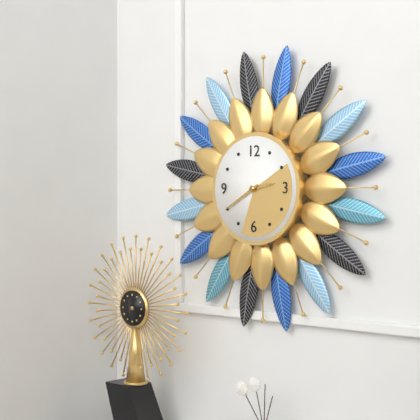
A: 2 h 40 min
